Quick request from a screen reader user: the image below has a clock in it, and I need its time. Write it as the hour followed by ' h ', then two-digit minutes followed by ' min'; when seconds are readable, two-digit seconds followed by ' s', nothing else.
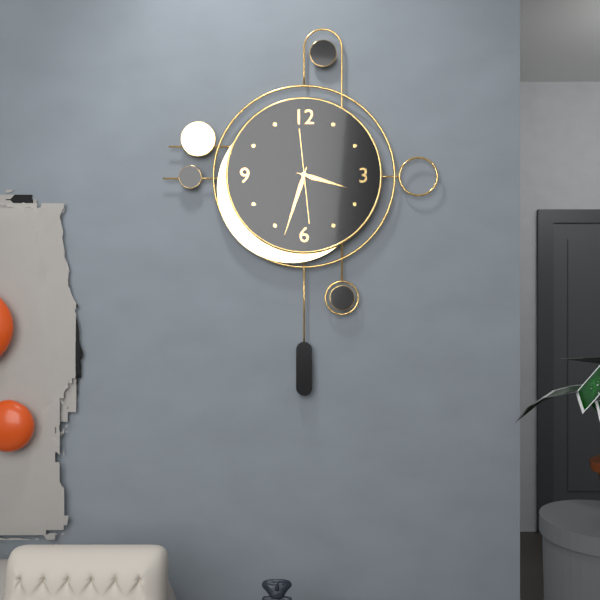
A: 3 h 33 min 29 s
